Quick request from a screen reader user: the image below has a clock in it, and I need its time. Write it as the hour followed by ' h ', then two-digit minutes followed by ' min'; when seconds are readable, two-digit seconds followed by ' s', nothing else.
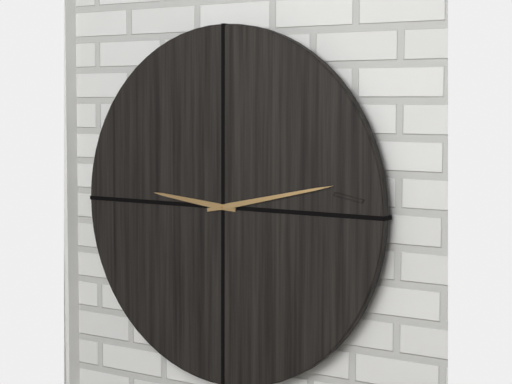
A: 9 h 13 min
